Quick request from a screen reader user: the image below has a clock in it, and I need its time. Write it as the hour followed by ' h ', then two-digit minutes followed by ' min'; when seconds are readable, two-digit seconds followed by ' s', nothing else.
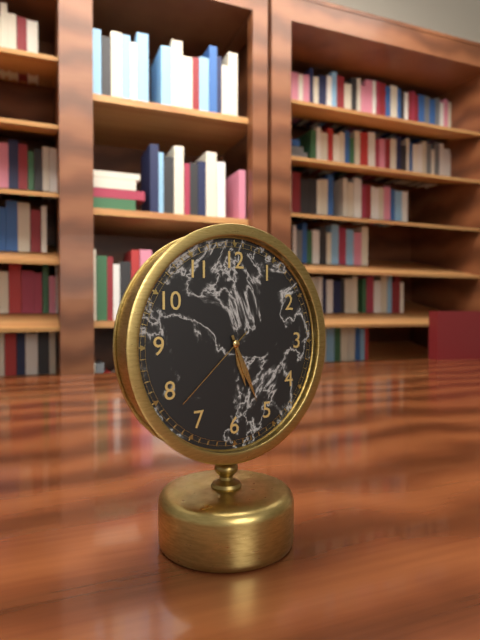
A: 5 h 26 min 38 s
